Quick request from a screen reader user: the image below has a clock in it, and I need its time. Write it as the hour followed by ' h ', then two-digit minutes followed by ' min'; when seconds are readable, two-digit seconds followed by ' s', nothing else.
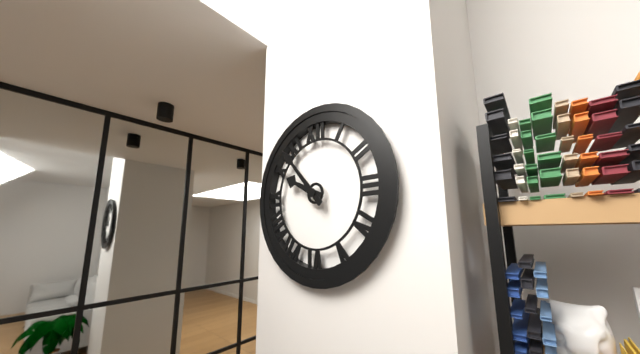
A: 9 h 53 min
